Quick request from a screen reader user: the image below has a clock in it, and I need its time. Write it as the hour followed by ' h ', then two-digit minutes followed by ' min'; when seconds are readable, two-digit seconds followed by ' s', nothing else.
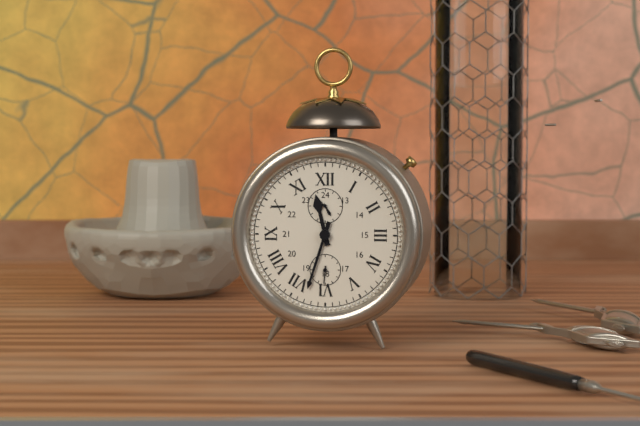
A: 11 h 33 min
